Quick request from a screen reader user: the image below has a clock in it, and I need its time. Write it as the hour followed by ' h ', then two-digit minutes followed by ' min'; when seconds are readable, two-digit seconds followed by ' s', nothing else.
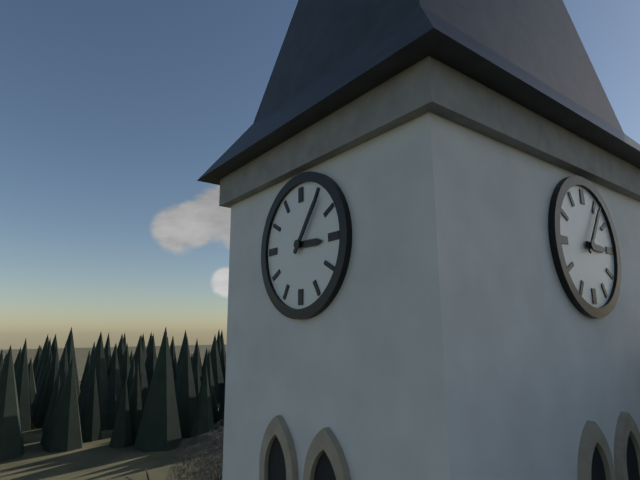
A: 3 h 06 min
